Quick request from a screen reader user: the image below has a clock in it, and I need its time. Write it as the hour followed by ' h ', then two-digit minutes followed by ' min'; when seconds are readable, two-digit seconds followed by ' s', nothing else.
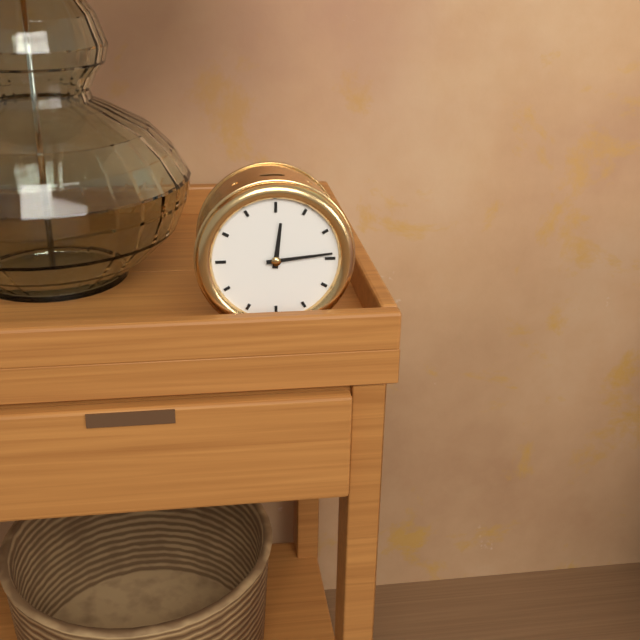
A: 12 h 14 min
